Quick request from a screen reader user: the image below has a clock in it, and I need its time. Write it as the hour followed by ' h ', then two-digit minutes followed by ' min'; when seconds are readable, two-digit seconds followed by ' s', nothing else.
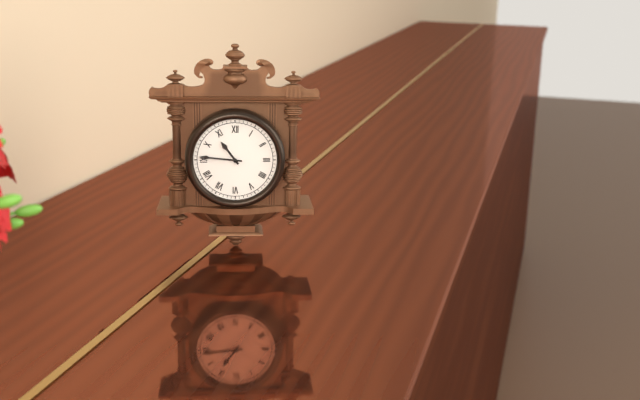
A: 10 h 46 min
